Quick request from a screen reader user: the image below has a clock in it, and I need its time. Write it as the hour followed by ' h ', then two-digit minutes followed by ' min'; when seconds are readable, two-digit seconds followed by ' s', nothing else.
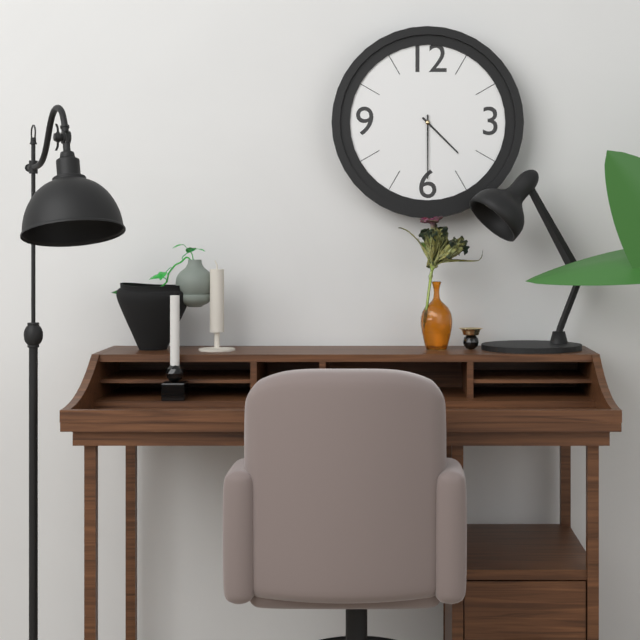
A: 4 h 30 min
